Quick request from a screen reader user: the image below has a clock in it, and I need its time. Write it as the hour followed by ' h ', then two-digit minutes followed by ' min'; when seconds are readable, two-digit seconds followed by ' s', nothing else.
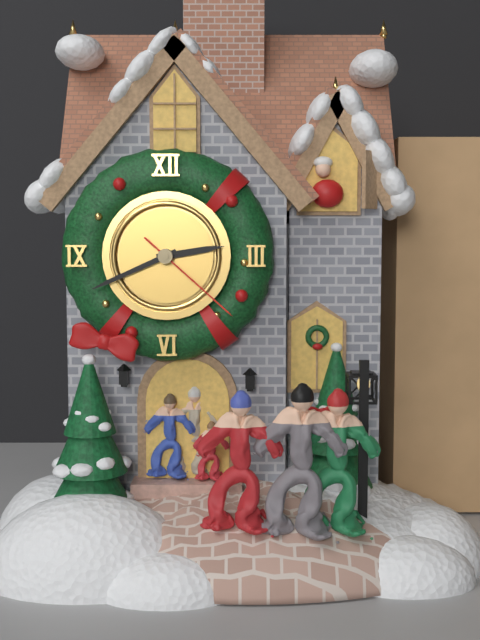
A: 2 h 41 min 22 s
